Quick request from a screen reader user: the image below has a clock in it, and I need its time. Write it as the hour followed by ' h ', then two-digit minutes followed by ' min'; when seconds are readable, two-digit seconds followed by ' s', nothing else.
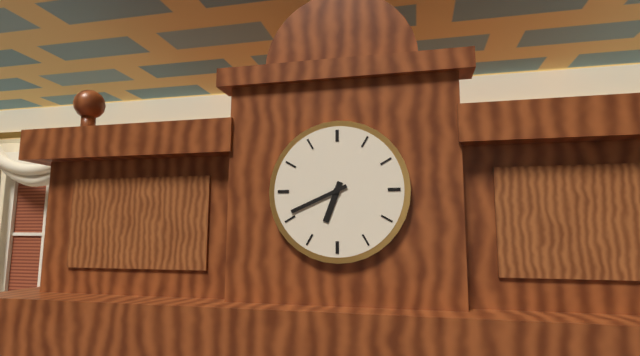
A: 6 h 41 min
